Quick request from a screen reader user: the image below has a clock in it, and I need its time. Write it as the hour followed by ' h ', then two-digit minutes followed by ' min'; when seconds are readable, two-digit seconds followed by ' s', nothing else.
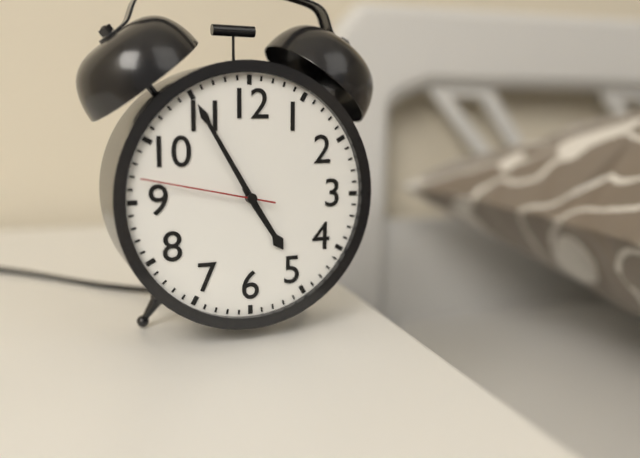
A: 4 h 55 min 47 s
